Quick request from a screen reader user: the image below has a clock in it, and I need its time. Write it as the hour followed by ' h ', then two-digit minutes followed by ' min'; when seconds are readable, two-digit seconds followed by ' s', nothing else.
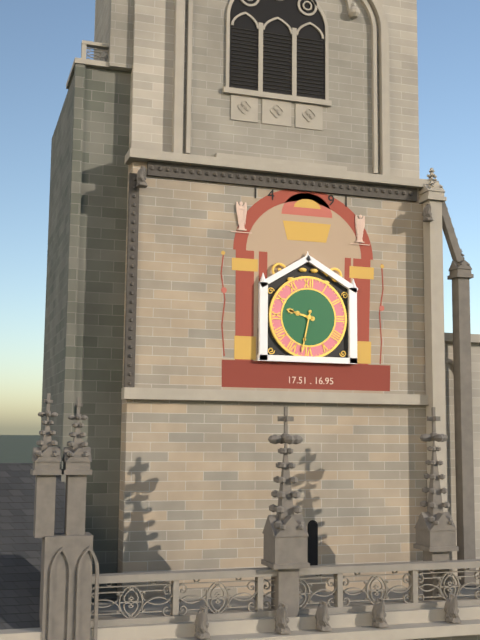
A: 9 h 32 min
